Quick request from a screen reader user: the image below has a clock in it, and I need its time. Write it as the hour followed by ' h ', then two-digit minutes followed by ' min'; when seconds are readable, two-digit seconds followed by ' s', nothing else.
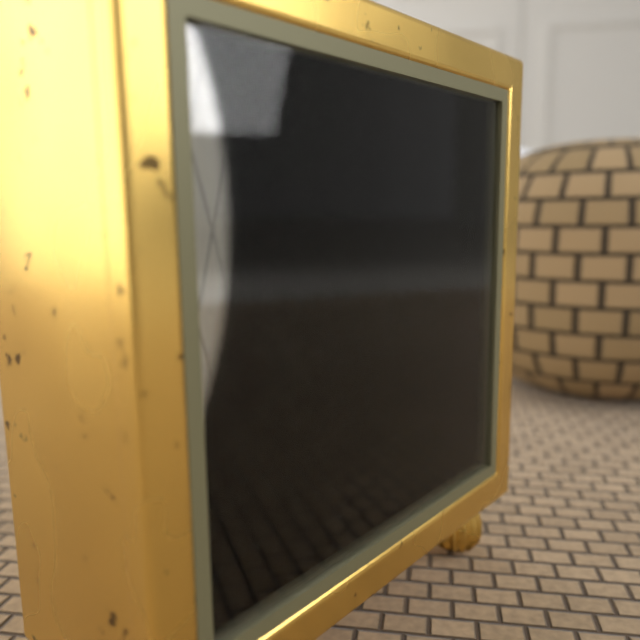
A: 11 h 10 min
